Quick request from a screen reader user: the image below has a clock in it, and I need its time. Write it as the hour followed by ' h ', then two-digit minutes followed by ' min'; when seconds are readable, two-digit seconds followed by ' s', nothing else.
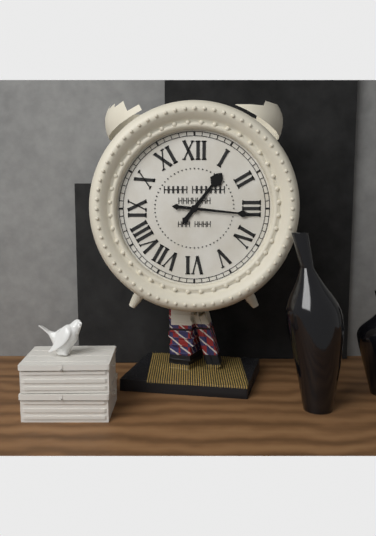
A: 1 h 16 min
